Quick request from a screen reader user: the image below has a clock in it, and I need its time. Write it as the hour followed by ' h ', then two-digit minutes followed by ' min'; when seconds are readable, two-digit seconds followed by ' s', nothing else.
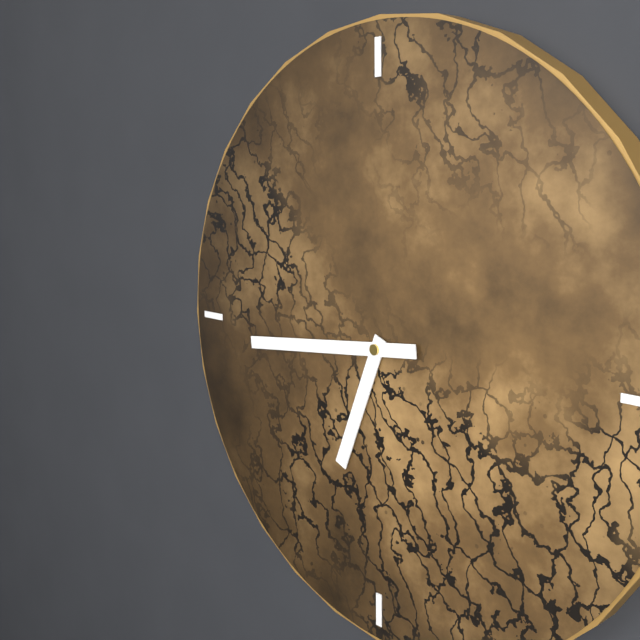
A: 6 h 44 min
